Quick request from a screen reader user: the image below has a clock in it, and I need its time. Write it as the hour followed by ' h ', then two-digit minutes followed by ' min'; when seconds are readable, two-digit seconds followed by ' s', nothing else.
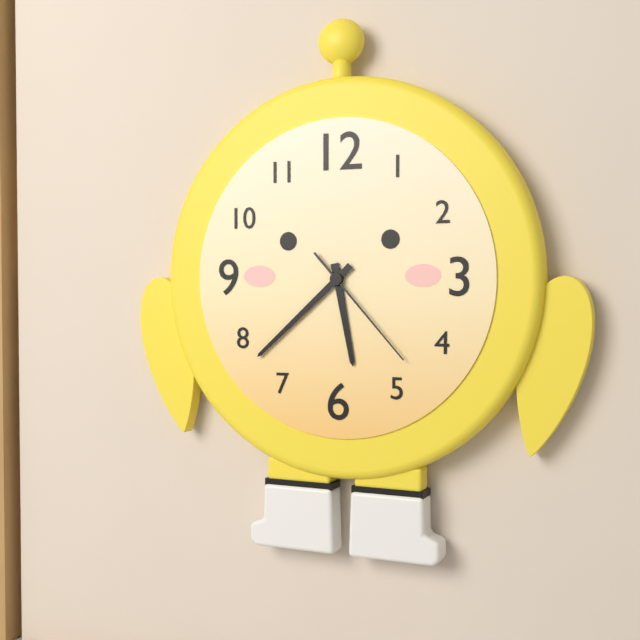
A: 5 h 38 min 23 s
